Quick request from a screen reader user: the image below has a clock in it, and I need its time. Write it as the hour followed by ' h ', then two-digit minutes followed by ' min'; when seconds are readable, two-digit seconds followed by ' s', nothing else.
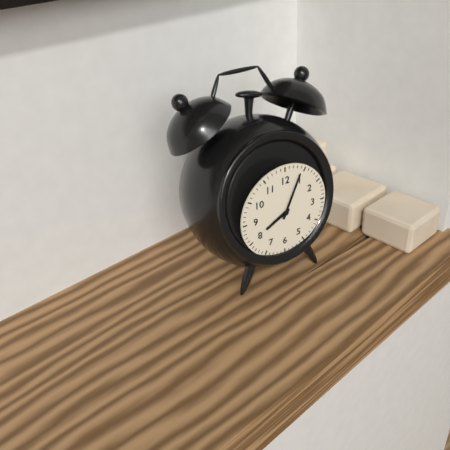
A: 8 h 04 min
